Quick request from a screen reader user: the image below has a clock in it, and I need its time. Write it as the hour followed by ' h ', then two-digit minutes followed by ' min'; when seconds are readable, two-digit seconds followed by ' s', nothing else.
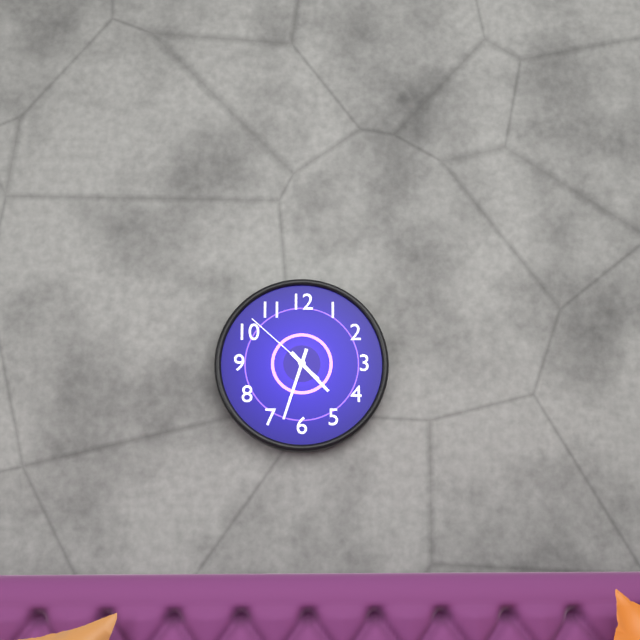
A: 4 h 33 min 52 s
